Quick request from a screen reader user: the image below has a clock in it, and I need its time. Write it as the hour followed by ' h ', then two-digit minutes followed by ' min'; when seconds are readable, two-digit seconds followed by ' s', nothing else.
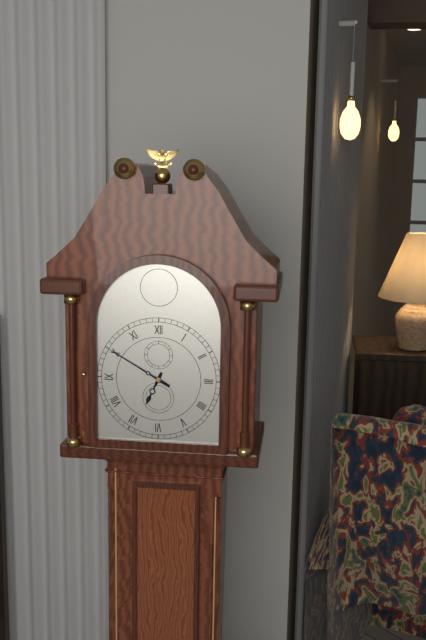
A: 6 h 50 min
